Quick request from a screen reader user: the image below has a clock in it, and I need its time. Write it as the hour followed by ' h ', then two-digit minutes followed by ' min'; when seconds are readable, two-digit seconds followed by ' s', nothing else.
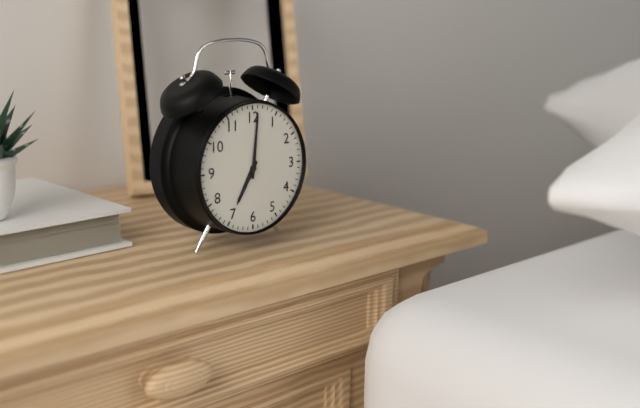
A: 7 h 01 min
